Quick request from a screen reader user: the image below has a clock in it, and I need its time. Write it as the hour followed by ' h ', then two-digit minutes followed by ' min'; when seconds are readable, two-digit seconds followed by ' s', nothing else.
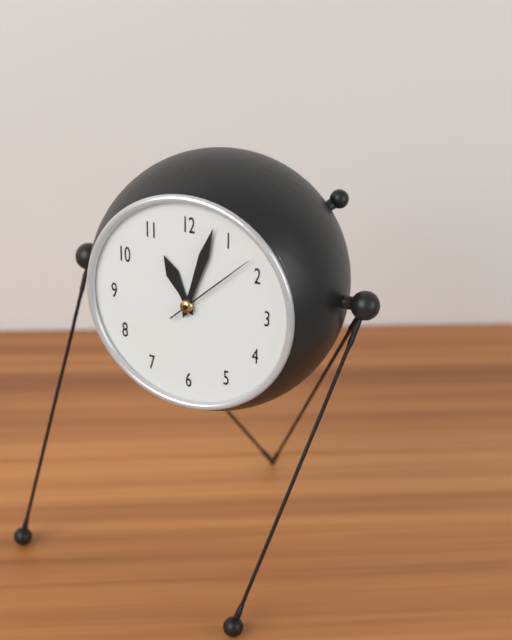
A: 11 h 03 min 08 s
